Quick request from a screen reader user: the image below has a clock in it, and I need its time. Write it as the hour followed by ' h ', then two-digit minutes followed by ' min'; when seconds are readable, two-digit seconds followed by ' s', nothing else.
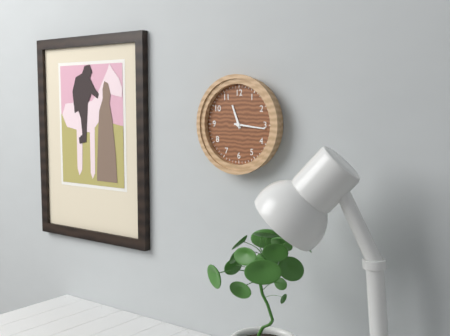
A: 11 h 16 min
